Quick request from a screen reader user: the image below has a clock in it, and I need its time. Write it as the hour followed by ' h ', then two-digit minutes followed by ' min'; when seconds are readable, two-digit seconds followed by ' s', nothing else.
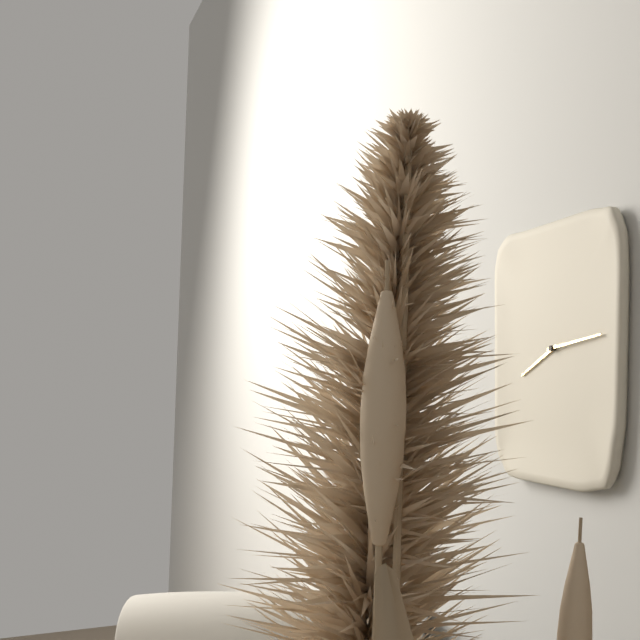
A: 8 h 14 min
